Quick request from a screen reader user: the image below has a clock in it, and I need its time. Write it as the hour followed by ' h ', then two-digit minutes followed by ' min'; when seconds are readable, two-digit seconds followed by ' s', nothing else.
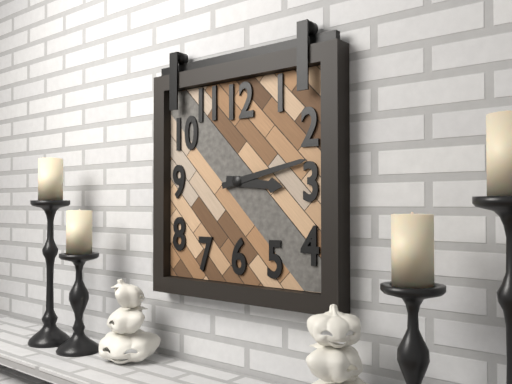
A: 3 h 13 min
